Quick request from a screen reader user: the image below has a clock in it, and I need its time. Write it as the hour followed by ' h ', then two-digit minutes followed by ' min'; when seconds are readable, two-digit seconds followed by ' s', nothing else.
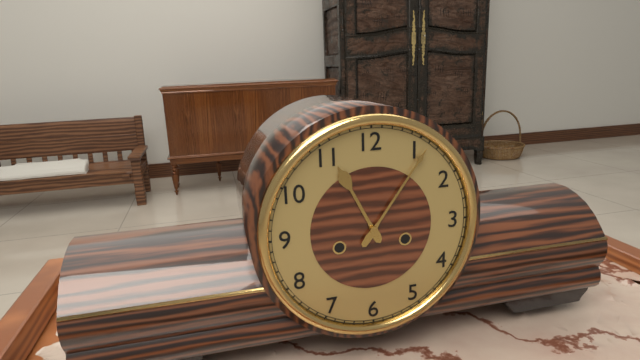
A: 11 h 06 min
